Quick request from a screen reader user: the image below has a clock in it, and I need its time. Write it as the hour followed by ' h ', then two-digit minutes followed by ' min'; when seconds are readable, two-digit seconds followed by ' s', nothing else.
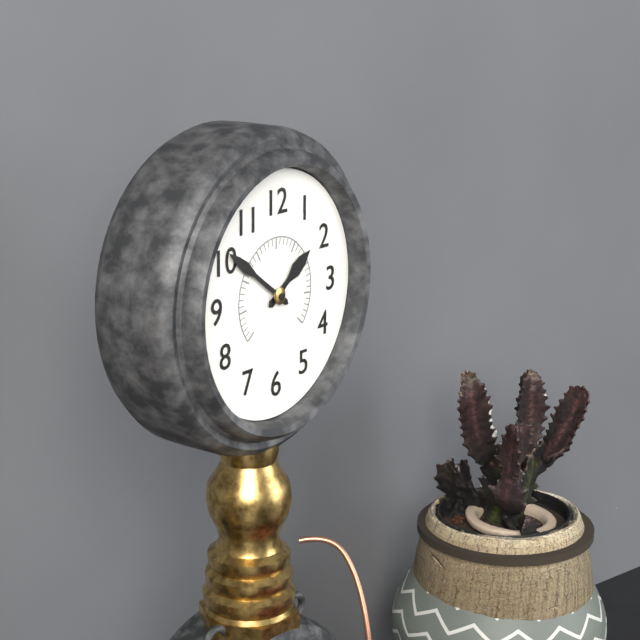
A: 1 h 51 min
